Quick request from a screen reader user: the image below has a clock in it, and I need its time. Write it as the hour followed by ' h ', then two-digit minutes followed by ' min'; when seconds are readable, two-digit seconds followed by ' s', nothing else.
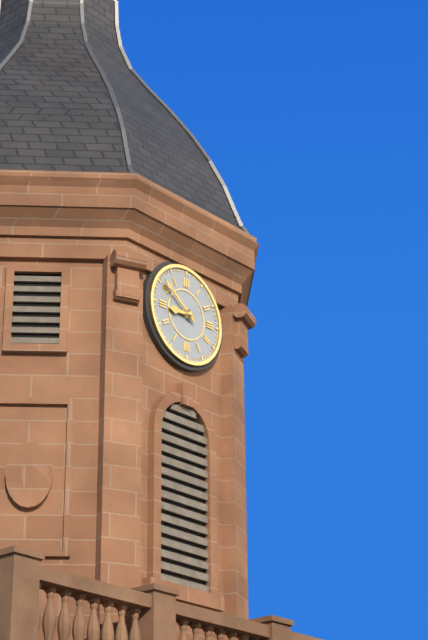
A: 8 h 51 min
